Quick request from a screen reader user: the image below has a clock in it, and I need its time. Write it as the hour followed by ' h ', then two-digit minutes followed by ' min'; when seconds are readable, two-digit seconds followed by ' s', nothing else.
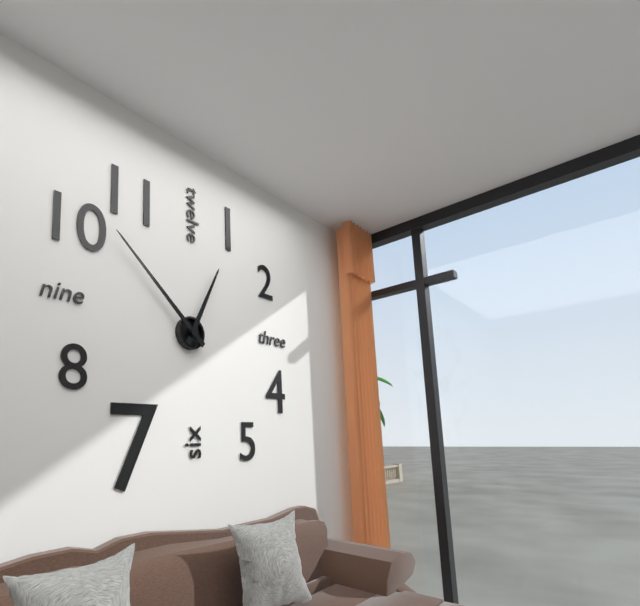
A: 12 h 52 min
